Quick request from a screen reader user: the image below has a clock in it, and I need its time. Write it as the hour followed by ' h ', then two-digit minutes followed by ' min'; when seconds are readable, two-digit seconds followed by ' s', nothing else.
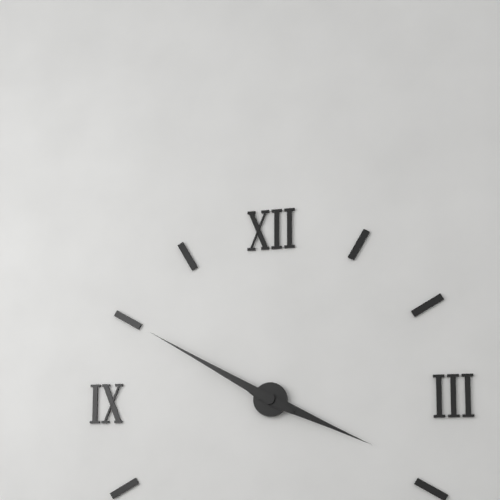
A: 3 h 50 min
